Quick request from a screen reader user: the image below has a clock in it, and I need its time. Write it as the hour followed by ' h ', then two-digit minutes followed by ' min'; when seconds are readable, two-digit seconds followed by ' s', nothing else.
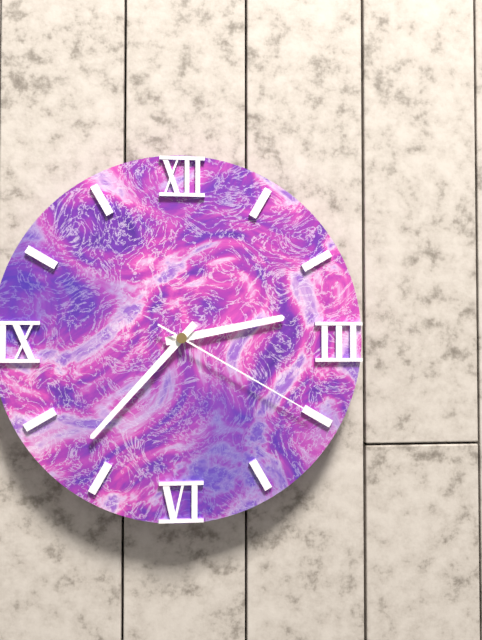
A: 2 h 37 min 20 s
